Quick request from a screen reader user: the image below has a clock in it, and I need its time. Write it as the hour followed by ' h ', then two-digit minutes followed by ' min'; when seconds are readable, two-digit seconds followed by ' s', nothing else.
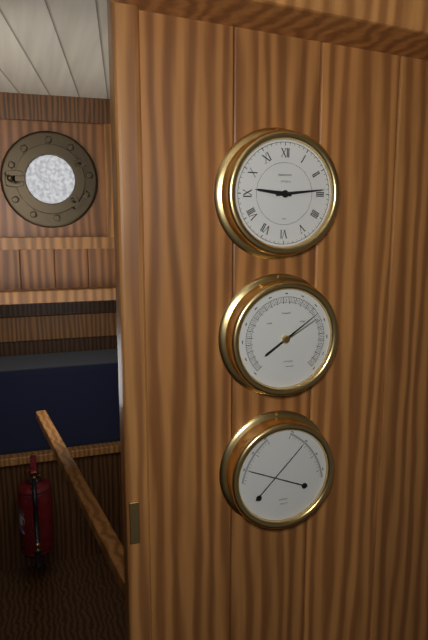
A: 9 h 14 min
